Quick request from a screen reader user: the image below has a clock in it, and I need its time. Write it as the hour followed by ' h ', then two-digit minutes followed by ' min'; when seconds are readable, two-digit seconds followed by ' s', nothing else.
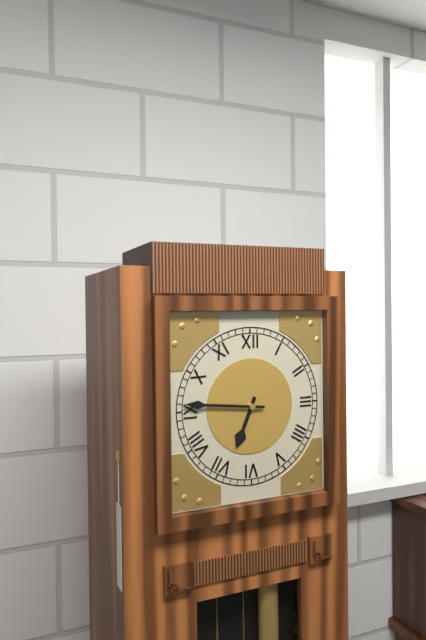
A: 6 h 46 min
